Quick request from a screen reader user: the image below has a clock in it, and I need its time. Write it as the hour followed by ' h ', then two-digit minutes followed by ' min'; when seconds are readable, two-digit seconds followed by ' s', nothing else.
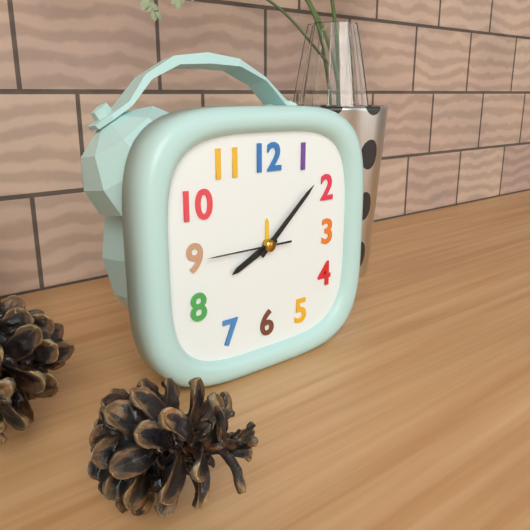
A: 8 h 08 min 45 s
